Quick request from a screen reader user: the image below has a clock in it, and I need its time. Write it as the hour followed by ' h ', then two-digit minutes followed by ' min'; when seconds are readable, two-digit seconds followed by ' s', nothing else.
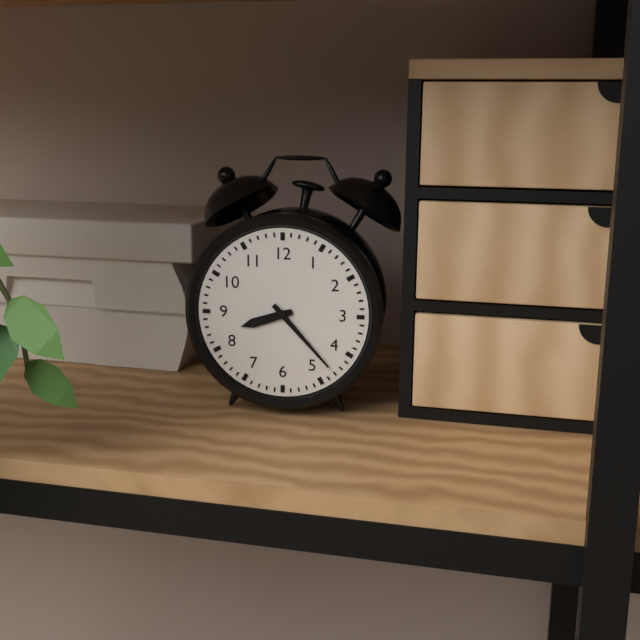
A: 8 h 23 min
